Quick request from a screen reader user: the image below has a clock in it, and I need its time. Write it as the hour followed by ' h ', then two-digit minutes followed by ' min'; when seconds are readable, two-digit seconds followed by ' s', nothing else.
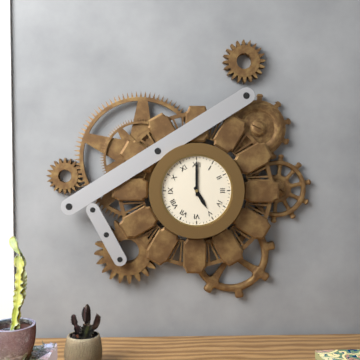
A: 5 h 00 min
